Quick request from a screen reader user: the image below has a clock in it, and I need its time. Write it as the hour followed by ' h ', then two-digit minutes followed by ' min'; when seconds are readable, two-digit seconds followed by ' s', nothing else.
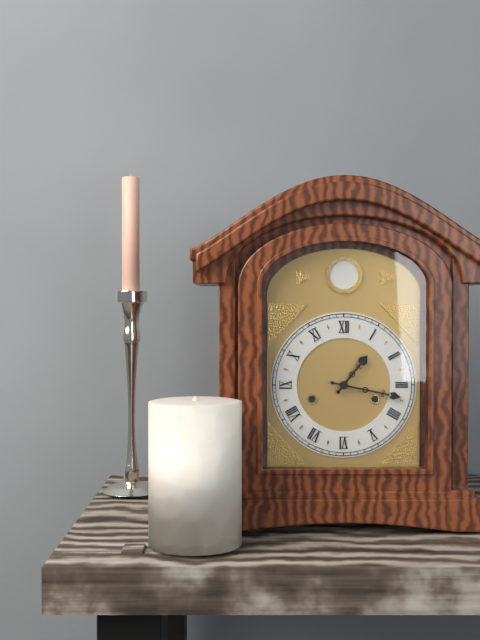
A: 1 h 17 min
